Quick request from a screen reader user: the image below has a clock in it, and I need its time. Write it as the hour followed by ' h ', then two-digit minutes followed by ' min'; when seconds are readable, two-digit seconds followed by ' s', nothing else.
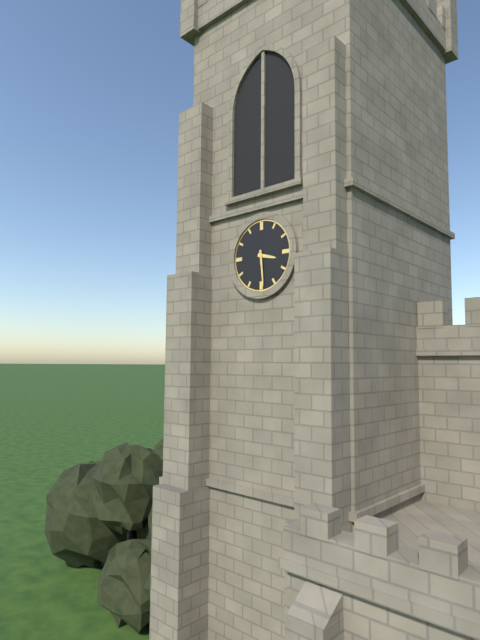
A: 3 h 29 min
